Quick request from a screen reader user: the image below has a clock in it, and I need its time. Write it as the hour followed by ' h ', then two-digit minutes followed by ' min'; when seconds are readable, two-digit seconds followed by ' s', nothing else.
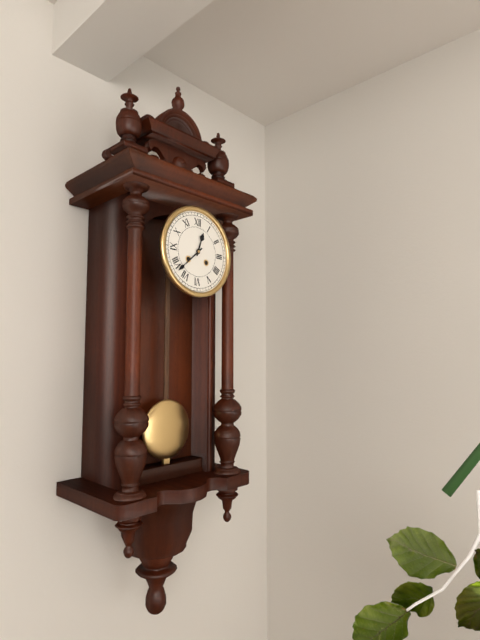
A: 12 h 38 min
